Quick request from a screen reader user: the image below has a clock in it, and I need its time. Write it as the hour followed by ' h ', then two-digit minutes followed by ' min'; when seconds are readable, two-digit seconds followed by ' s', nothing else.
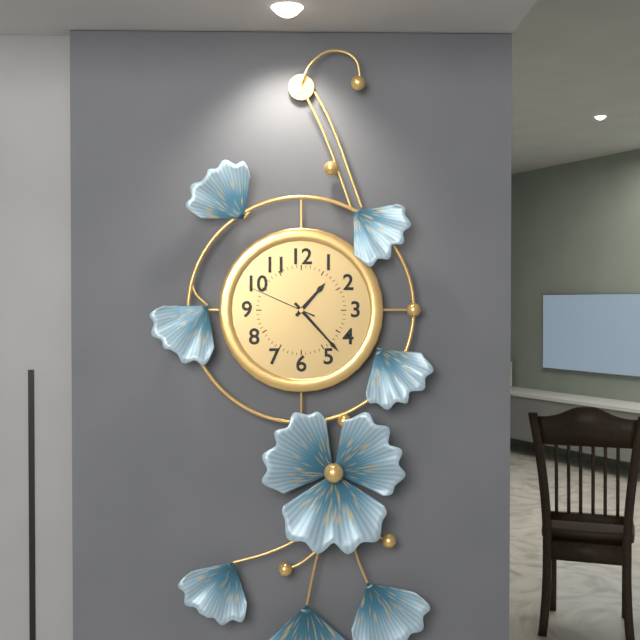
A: 1 h 23 min 49 s
